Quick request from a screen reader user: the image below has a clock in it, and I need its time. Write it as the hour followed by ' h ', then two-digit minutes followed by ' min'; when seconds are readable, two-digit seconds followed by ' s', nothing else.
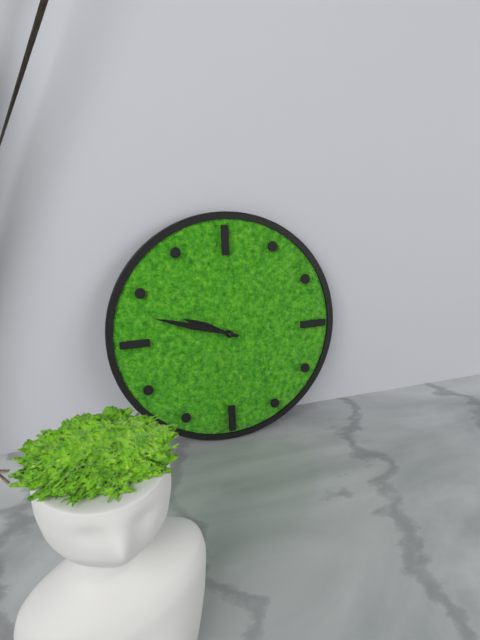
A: 9 h 48 min
